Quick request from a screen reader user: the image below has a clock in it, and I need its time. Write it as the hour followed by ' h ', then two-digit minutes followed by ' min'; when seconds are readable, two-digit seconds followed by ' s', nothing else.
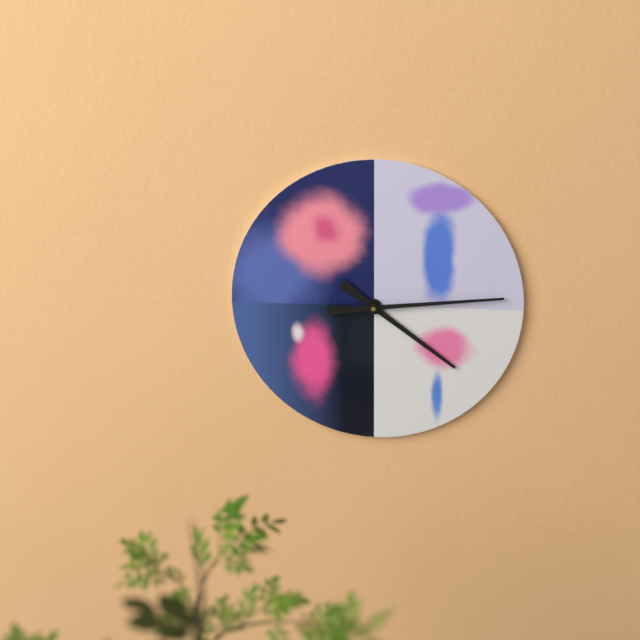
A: 4 h 14 min
